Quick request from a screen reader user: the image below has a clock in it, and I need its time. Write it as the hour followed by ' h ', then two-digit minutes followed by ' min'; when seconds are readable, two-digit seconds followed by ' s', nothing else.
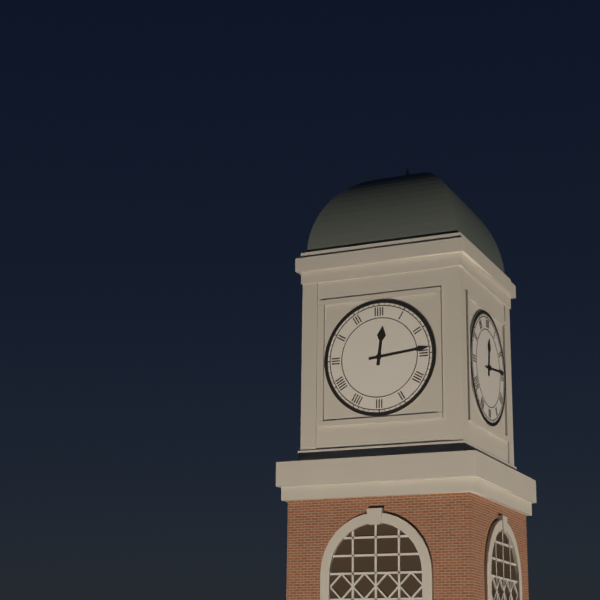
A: 12 h 14 min
